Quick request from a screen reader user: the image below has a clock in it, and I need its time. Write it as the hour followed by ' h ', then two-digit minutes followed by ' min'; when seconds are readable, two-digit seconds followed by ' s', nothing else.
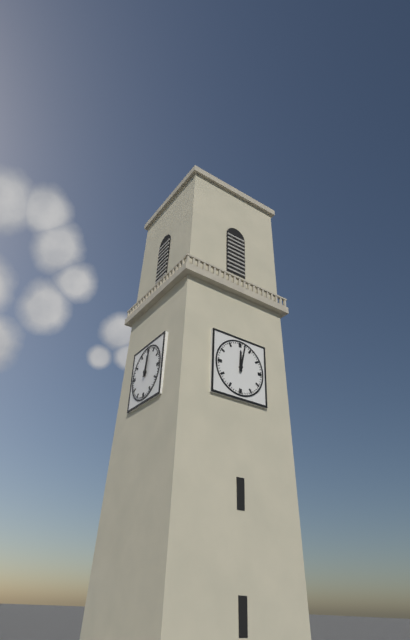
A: 12 h 02 min
